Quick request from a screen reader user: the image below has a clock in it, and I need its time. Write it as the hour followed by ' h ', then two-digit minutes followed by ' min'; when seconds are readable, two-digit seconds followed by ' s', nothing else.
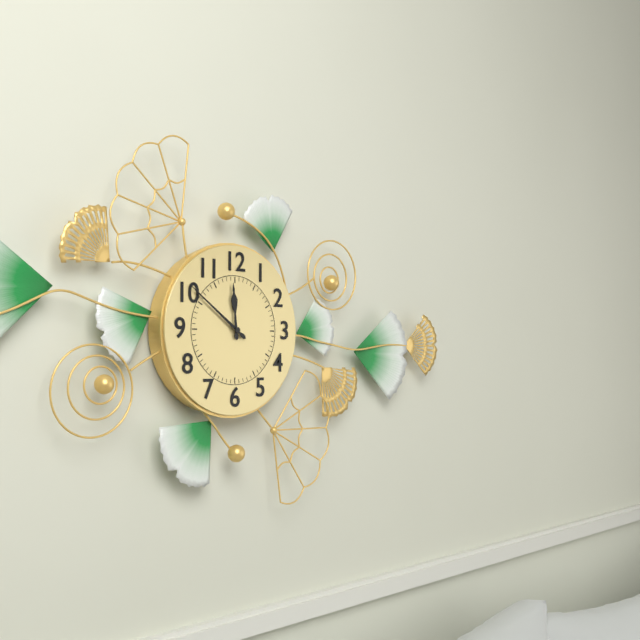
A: 11 h 51 min
